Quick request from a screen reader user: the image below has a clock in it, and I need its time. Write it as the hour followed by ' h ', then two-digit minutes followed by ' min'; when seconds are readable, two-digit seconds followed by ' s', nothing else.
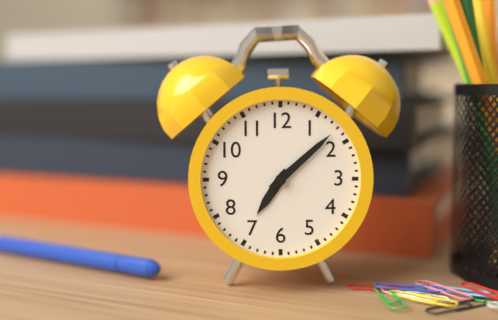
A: 7 h 08 min
